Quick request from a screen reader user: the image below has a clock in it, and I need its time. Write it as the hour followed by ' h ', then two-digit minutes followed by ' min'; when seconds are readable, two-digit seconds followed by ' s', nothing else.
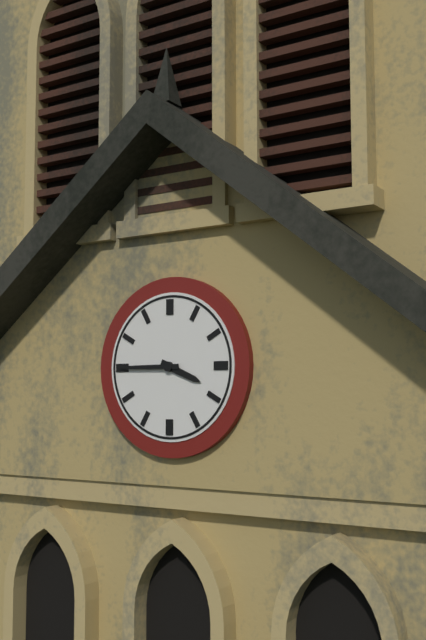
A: 3 h 45 min
